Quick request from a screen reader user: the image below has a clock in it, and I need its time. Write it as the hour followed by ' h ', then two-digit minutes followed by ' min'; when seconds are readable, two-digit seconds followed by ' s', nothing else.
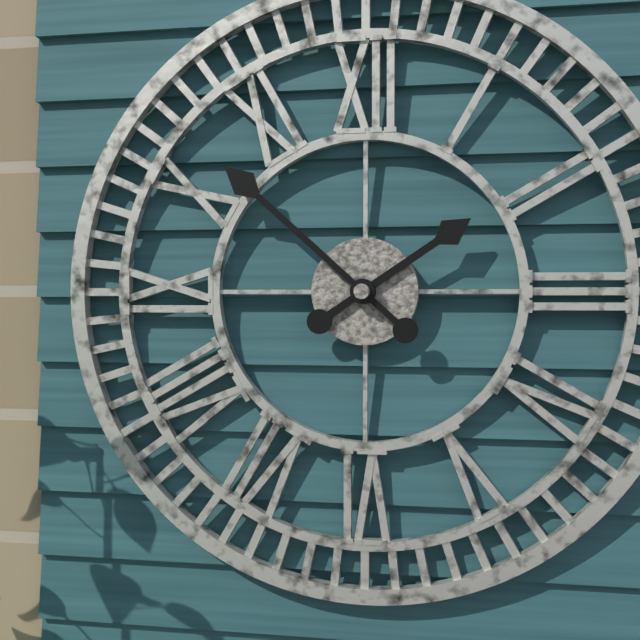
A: 1 h 52 min
